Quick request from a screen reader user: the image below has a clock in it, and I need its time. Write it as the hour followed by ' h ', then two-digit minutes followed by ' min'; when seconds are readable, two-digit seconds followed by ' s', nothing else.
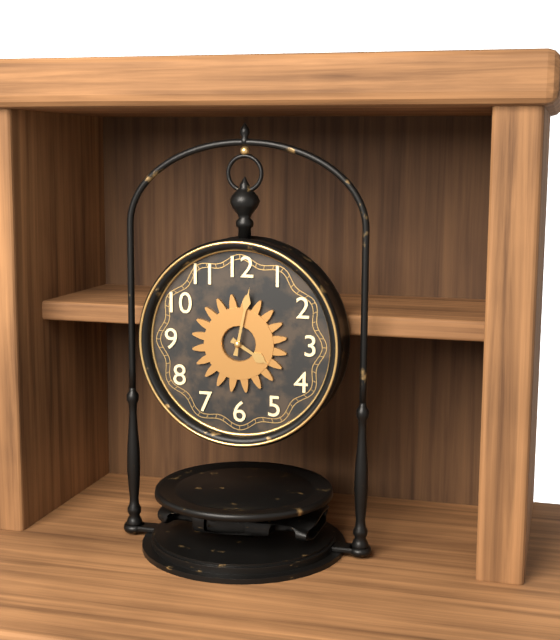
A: 4 h 02 min
